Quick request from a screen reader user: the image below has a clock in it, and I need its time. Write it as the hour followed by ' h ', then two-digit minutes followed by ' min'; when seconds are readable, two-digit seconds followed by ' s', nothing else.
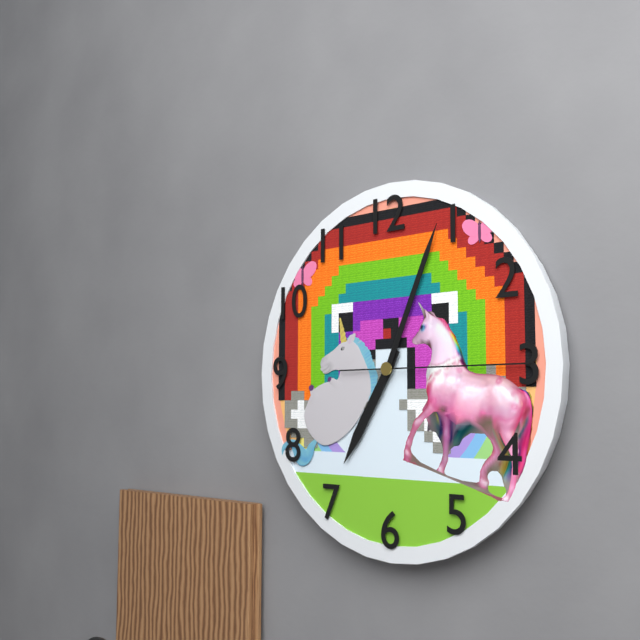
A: 7 h 04 min 15 s
